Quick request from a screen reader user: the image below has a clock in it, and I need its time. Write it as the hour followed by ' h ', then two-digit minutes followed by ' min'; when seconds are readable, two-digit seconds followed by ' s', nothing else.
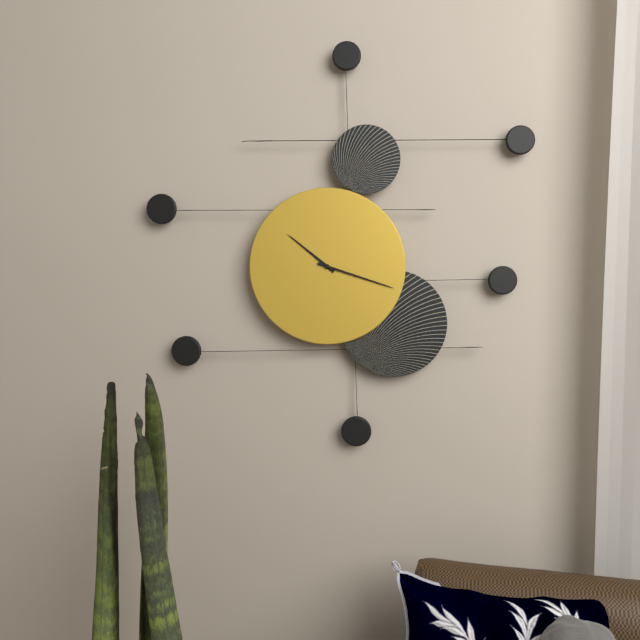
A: 10 h 18 min
